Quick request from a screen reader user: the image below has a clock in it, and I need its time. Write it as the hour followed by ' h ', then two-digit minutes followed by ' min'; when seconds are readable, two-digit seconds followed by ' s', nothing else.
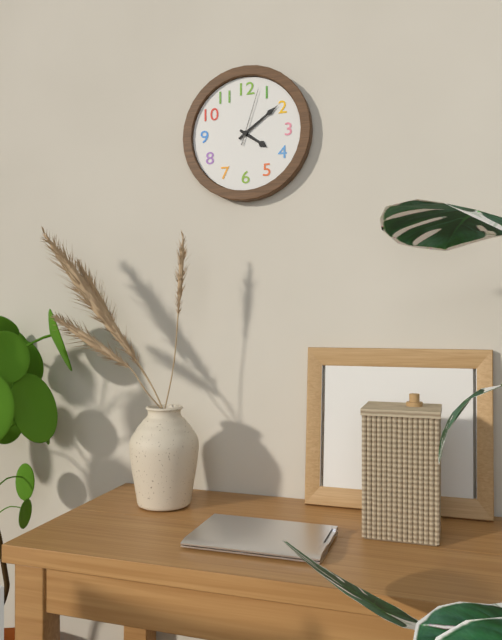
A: 4 h 09 min 03 s
